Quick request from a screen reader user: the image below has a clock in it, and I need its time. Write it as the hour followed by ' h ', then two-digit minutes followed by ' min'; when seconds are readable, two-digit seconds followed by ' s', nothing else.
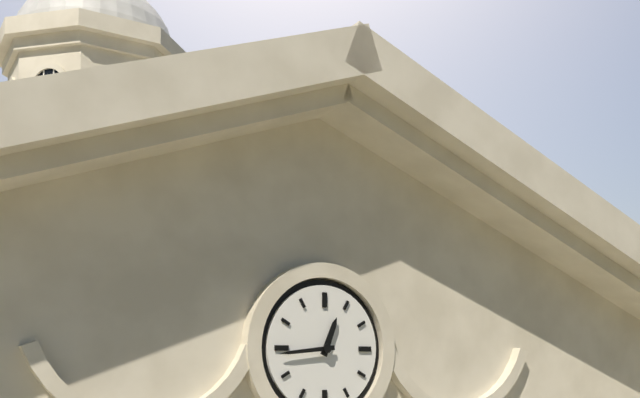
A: 12 h 44 min
